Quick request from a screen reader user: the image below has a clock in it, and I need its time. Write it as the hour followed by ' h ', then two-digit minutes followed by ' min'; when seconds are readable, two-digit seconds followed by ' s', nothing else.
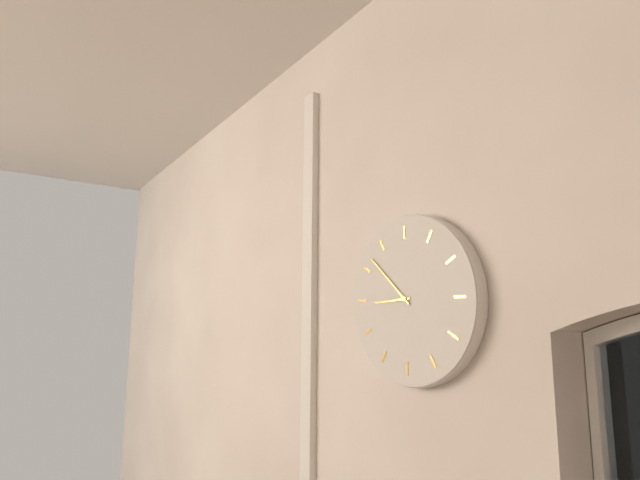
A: 8 h 52 min
